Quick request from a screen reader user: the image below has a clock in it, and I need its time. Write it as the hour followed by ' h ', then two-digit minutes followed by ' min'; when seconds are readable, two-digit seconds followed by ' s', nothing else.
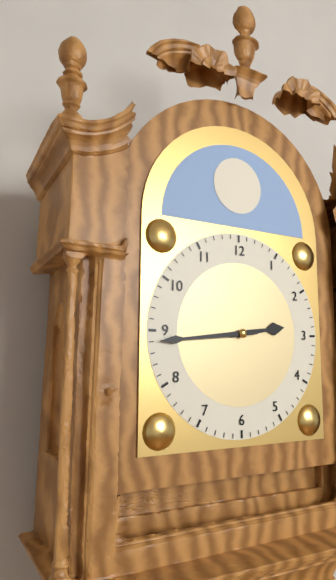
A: 2 h 44 min
